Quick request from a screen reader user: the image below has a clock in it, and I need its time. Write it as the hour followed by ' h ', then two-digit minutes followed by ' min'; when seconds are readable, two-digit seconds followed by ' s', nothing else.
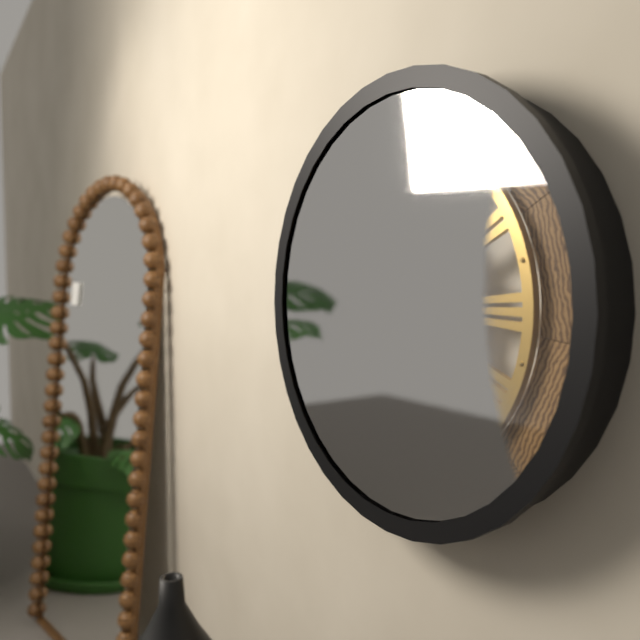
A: 2 h 27 min
